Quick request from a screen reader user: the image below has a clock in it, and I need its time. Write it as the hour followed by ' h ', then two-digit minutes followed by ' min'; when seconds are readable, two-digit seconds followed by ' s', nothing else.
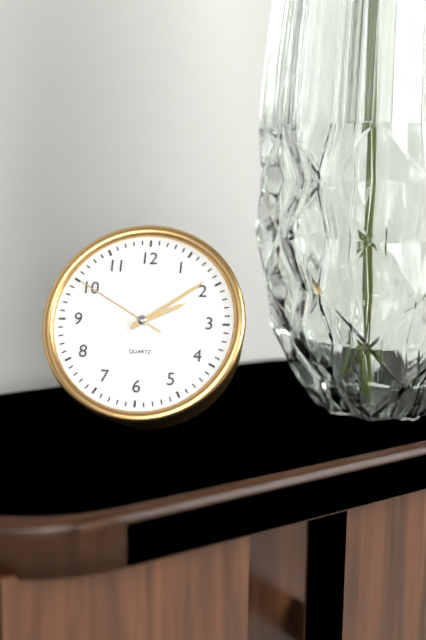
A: 2 h 09 min 50 s
